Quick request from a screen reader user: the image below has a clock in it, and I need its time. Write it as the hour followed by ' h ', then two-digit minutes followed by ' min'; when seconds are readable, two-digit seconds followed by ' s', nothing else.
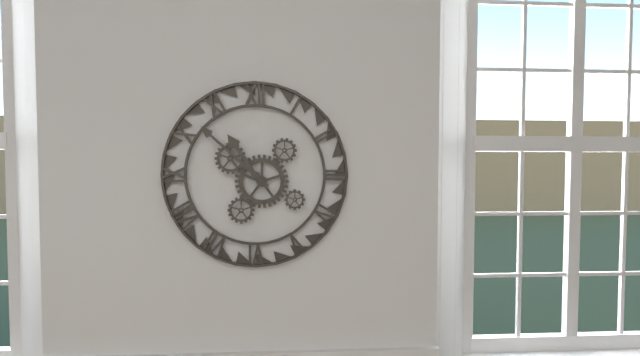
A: 10 h 52 min
